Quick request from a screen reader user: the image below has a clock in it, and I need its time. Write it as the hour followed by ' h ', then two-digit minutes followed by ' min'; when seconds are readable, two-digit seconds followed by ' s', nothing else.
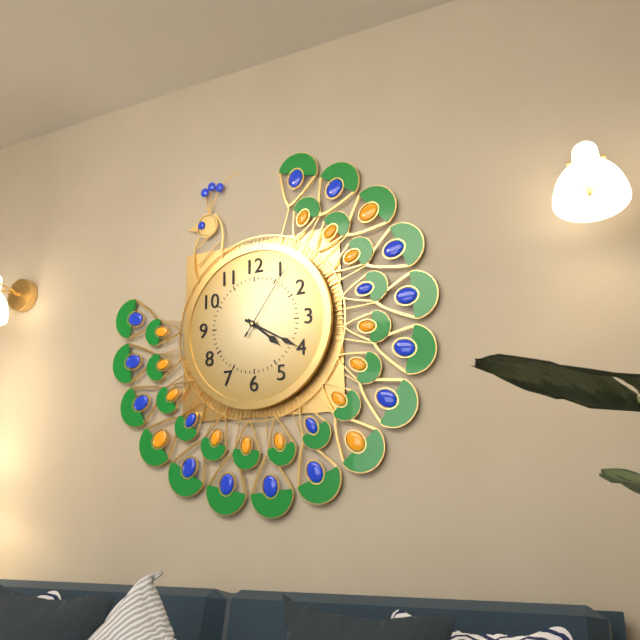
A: 4 h 20 min 06 s
